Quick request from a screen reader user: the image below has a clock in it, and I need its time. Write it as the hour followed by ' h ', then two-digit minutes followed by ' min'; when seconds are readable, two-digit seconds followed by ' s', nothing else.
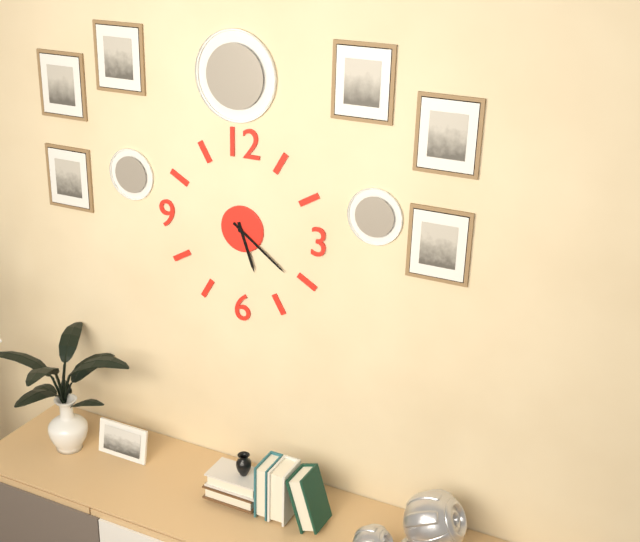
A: 5 h 21 min
